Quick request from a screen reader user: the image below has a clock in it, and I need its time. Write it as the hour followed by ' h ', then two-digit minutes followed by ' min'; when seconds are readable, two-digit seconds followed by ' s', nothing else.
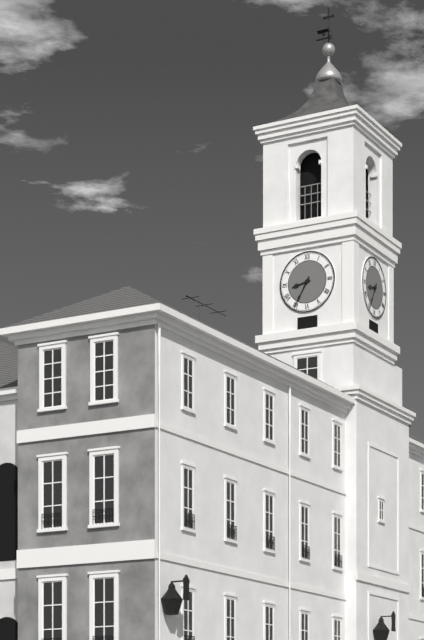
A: 8 h 35 min
